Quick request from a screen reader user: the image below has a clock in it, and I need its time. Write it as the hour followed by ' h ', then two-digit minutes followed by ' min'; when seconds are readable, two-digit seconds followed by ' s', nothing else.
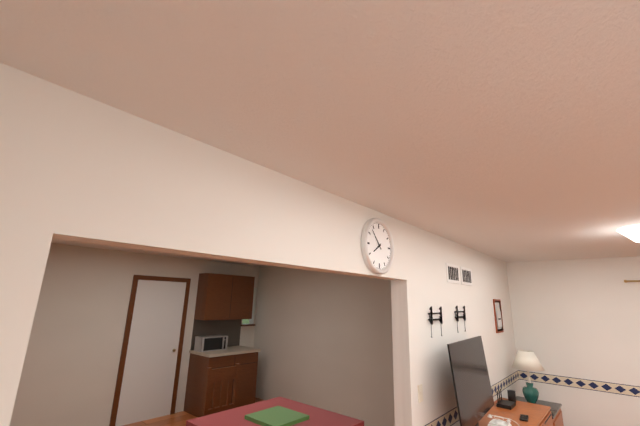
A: 7 h 53 min
